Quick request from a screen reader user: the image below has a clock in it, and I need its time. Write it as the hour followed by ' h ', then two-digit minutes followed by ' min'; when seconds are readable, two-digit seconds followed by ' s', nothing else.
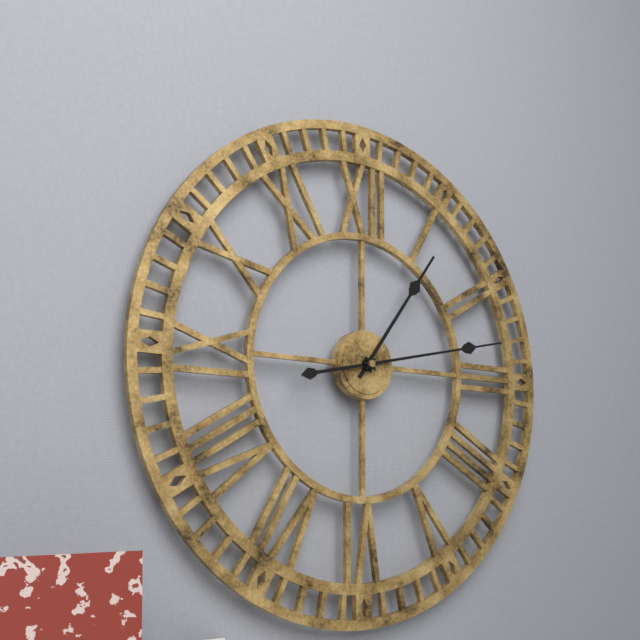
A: 1 h 13 min
